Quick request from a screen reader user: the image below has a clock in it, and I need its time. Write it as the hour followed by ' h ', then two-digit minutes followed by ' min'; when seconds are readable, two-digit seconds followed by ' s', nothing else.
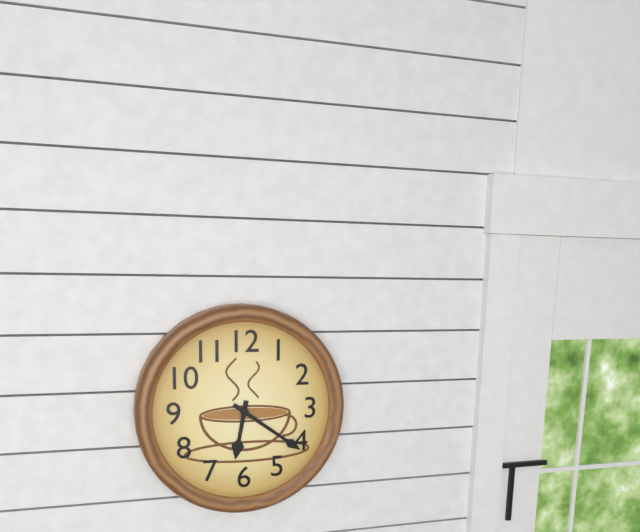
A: 6 h 21 min
